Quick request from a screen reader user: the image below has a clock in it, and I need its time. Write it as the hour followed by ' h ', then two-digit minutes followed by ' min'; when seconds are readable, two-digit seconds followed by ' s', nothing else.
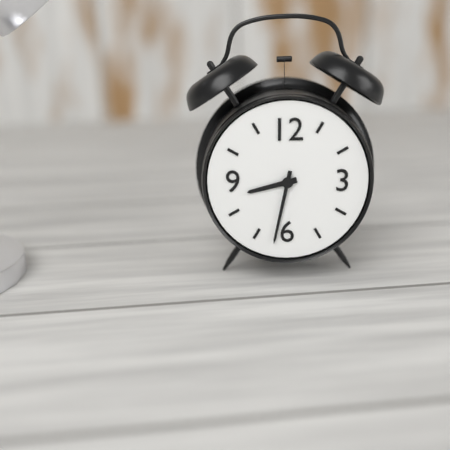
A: 8 h 32 min
